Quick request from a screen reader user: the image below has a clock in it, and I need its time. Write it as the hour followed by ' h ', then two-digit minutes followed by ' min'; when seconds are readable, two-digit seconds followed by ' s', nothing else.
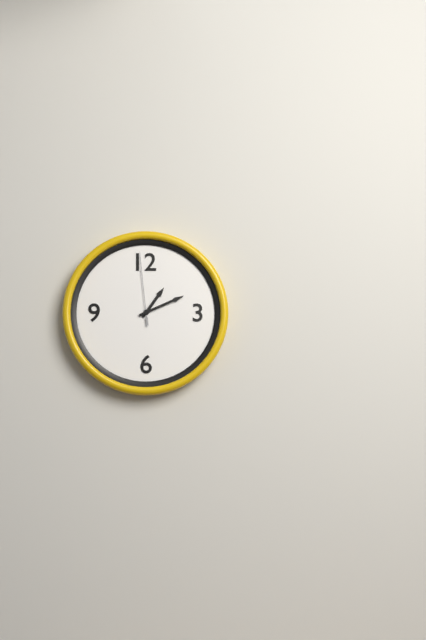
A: 1 h 11 min 59 s
